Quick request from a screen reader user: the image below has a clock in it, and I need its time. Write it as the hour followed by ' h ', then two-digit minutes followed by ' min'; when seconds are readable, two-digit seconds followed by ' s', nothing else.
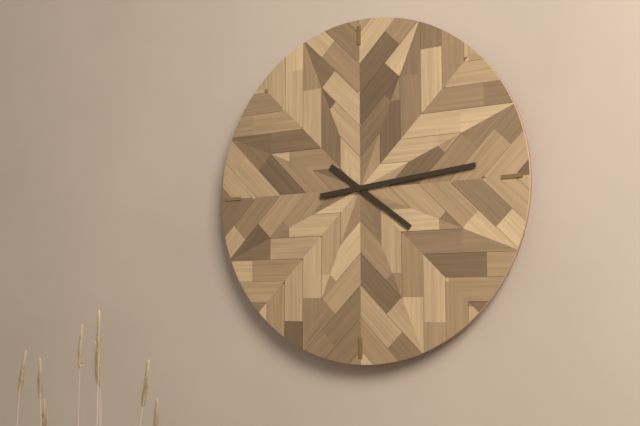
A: 4 h 14 min
